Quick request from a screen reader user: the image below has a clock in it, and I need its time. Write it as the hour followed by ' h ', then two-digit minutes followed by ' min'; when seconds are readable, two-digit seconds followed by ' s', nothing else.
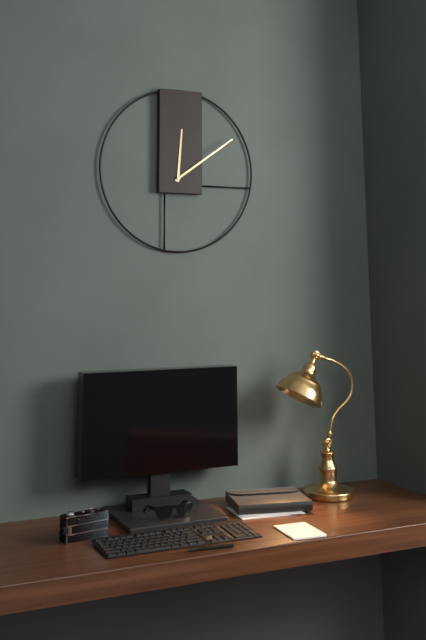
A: 12 h 09 min
